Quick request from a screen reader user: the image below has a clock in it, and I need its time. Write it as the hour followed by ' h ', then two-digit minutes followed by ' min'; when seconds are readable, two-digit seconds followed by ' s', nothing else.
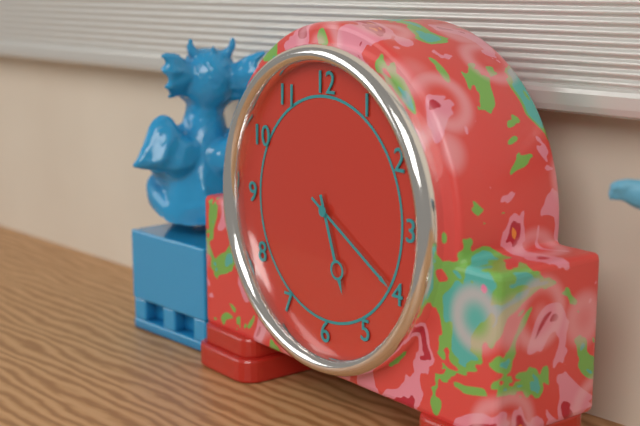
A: 5 h 20 min
